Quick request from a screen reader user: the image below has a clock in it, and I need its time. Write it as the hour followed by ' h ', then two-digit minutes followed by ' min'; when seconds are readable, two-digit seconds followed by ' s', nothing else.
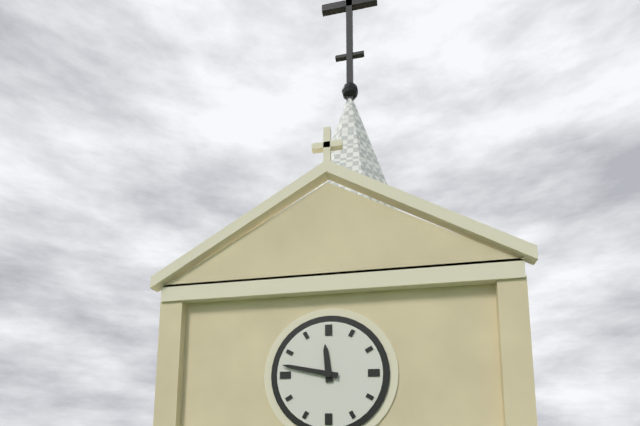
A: 11 h 47 min
